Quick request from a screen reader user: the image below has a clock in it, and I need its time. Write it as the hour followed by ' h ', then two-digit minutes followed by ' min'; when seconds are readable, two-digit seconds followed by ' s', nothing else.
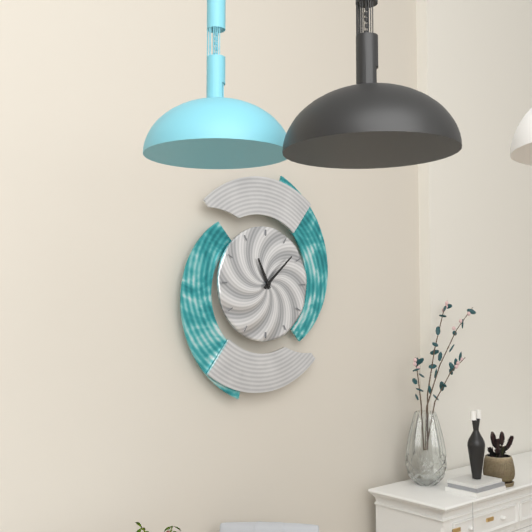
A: 11 h 08 min
